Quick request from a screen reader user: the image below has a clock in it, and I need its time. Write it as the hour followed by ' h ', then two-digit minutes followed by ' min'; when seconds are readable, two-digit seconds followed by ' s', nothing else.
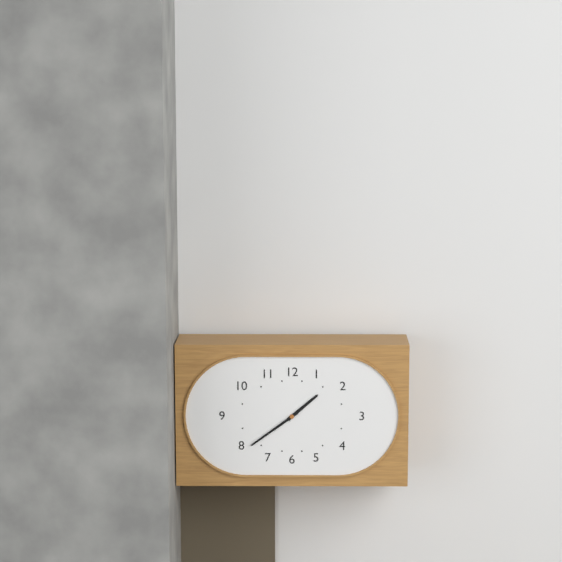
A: 1 h 39 min
